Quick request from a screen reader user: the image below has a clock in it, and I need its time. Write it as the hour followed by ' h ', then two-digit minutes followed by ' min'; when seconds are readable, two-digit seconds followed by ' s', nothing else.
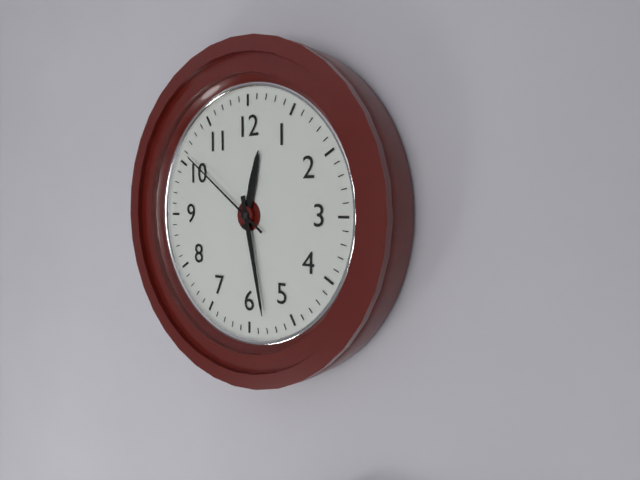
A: 12 h 28 min 51 s
